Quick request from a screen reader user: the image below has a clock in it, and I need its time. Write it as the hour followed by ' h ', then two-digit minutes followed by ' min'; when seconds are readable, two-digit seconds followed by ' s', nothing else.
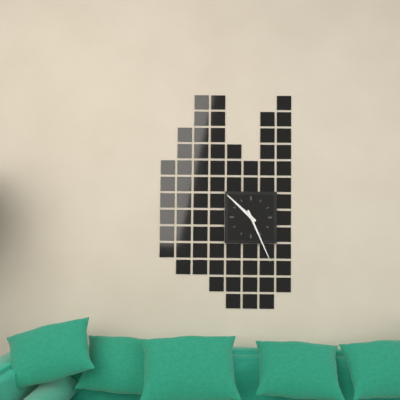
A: 10 h 26 min
